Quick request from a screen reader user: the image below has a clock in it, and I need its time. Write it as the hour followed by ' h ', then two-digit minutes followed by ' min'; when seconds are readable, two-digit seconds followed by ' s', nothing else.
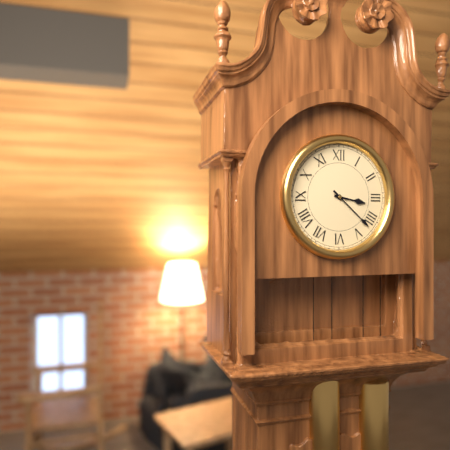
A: 3 h 22 min
